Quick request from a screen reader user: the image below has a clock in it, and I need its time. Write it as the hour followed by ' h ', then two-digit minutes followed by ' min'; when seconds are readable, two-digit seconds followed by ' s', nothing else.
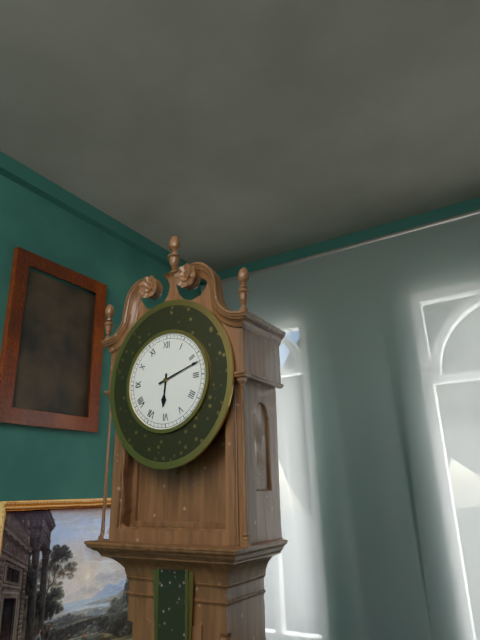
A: 6 h 12 min
